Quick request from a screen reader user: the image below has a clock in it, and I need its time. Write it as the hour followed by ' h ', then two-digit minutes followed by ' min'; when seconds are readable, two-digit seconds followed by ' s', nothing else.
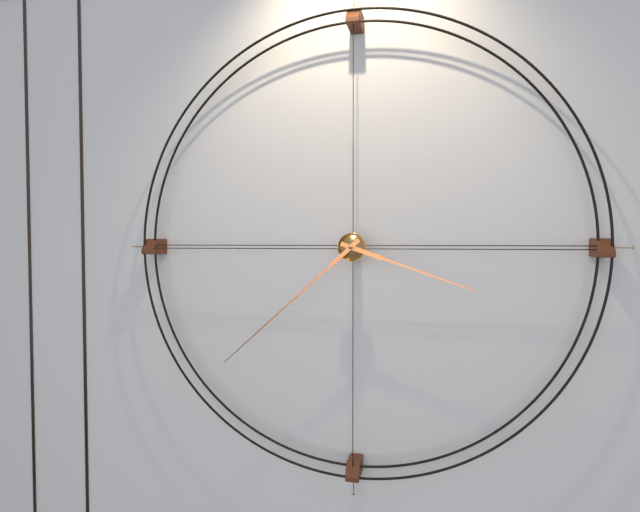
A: 3 h 38 min
